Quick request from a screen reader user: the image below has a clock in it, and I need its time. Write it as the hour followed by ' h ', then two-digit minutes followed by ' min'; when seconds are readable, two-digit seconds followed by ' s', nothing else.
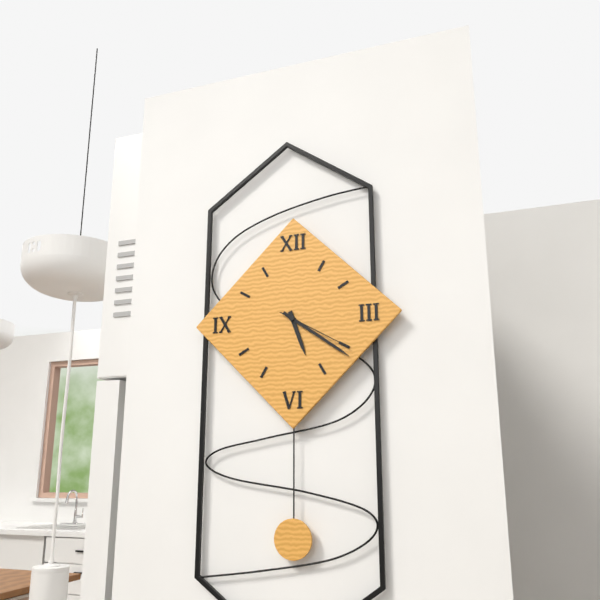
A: 5 h 21 min 20 s
